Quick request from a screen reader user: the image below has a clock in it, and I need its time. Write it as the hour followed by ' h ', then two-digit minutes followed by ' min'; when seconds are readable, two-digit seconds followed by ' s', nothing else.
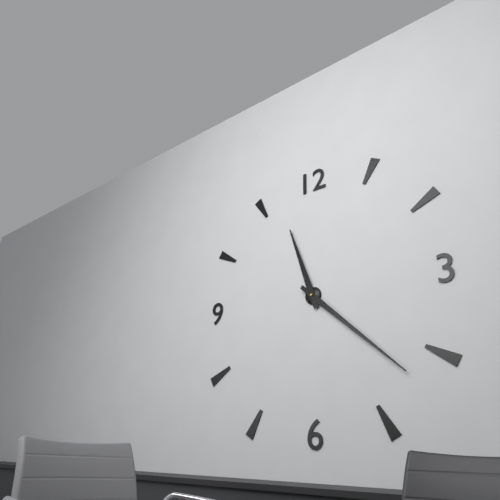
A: 11 h 22 min
